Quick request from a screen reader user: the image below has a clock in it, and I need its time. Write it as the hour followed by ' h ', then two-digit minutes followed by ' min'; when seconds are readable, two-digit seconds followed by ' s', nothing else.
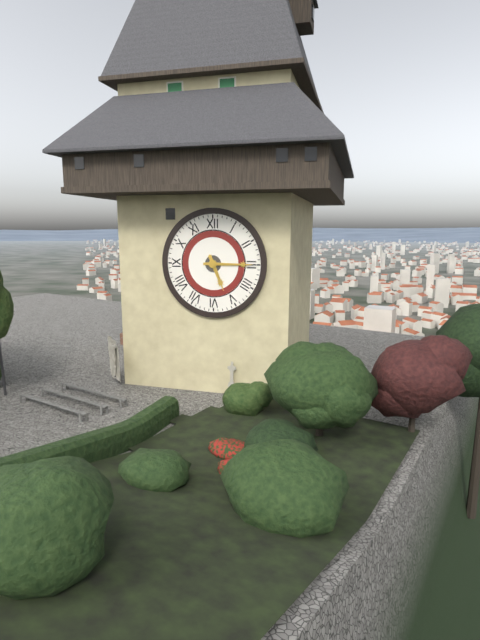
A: 5 h 15 min
